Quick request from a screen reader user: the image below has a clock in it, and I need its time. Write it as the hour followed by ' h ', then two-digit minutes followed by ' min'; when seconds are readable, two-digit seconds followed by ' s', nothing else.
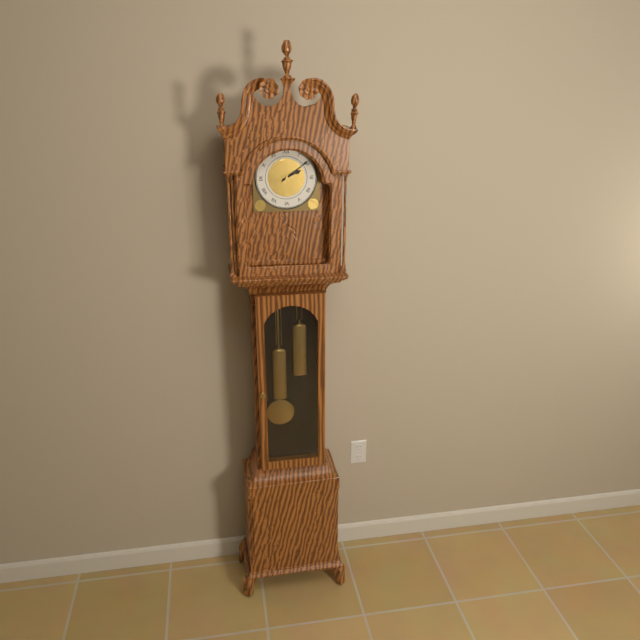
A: 2 h 09 min
